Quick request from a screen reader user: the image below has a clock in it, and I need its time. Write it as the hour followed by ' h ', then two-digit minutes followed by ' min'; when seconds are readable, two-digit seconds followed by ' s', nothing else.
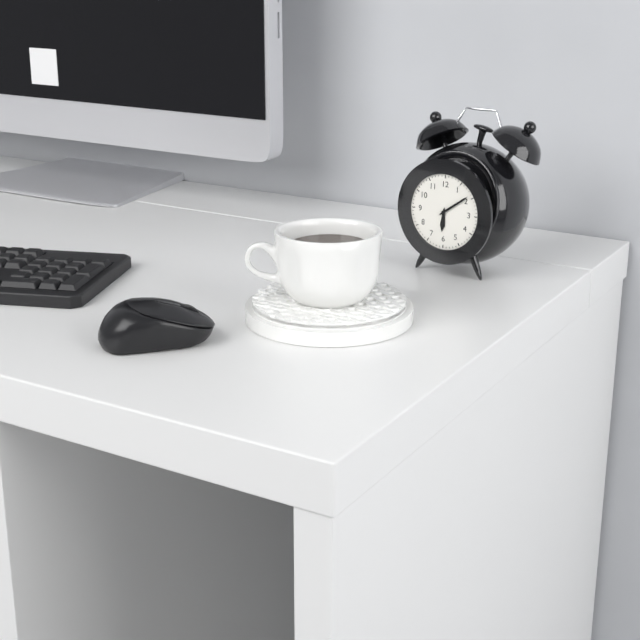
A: 6 h 09 min
